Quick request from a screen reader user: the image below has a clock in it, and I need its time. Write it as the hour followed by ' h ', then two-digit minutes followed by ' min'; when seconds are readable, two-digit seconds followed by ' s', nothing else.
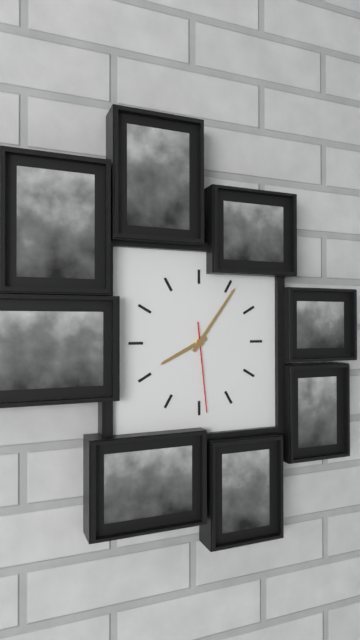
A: 8 h 06 min 29 s
